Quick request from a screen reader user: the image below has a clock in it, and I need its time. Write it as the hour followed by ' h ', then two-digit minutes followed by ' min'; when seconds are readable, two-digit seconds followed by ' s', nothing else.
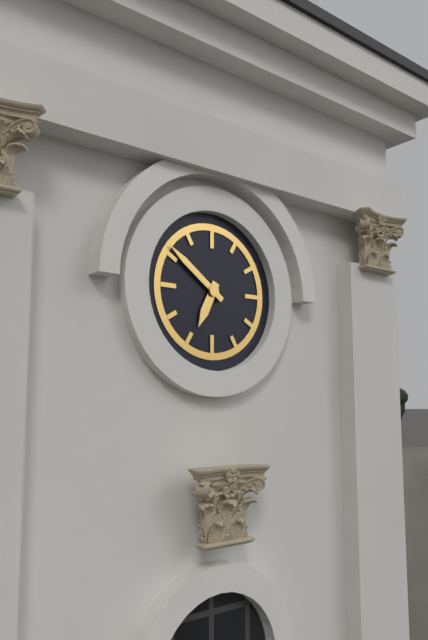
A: 6 h 51 min
